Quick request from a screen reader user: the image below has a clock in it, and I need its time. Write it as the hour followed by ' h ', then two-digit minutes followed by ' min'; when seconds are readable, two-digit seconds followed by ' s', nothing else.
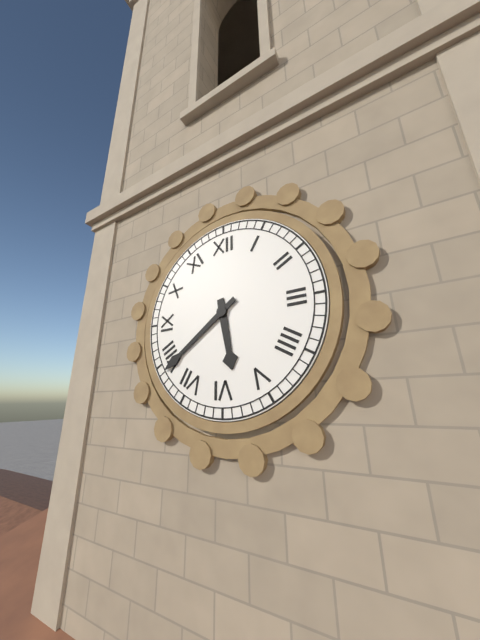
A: 5 h 39 min
